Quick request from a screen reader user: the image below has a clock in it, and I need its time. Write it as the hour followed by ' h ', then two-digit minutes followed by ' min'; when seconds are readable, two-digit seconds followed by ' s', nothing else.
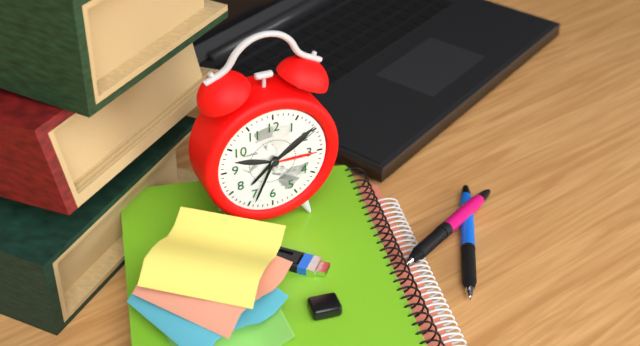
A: 7 h 34 min 10 s
